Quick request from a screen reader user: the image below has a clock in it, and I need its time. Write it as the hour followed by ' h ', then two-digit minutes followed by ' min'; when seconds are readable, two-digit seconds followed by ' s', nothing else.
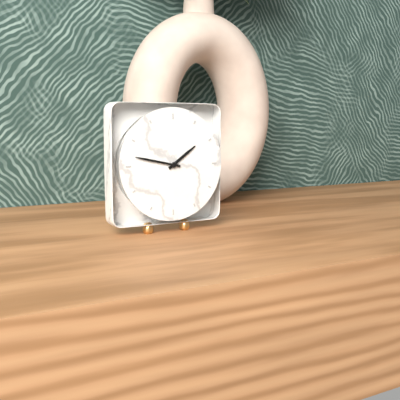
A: 1 h 47 min
